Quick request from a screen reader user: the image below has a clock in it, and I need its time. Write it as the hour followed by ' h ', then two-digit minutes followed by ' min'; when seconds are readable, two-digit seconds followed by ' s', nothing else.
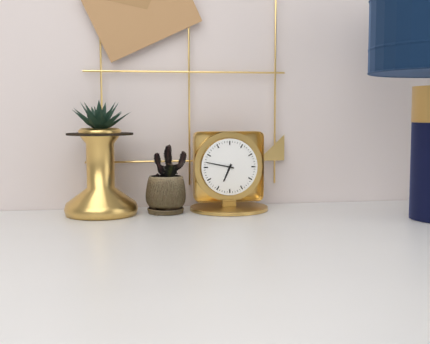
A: 6 h 47 min
